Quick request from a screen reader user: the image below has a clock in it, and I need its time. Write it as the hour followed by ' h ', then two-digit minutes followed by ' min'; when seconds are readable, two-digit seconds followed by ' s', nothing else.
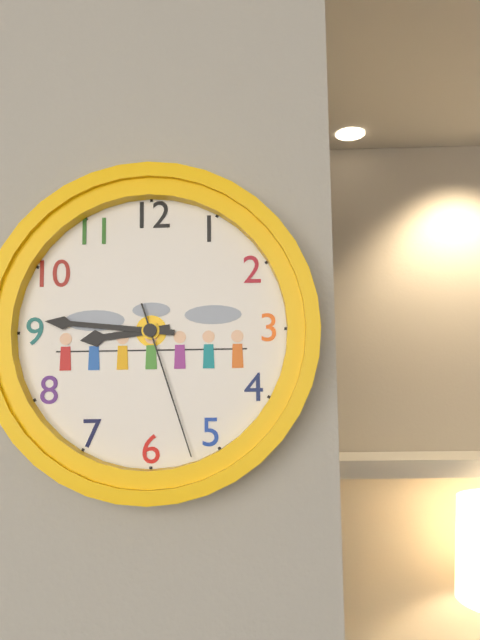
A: 8 h 46 min 27 s
